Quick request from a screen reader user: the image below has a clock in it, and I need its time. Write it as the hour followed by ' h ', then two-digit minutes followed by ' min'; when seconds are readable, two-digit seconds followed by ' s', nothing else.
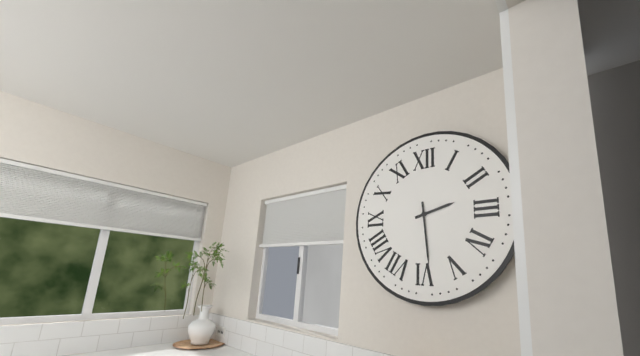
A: 2 h 29 min
